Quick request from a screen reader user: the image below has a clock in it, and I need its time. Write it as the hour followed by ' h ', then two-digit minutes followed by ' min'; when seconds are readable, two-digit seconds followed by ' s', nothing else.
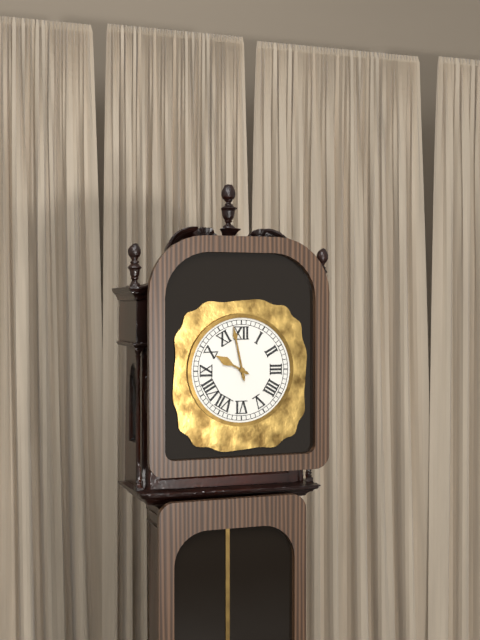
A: 9 h 58 min
